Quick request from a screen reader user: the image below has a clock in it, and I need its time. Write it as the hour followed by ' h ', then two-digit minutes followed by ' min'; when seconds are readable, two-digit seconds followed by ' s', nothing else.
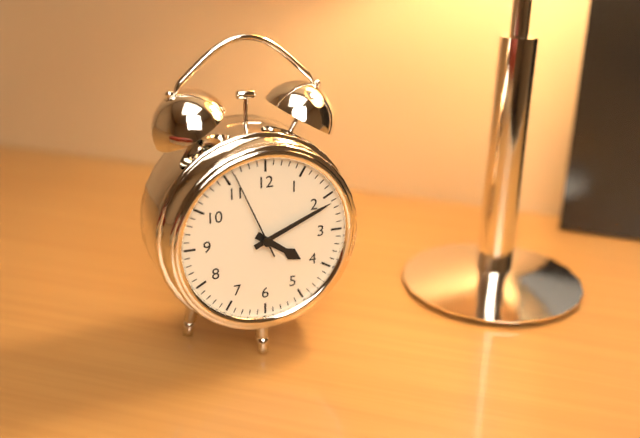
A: 4 h 11 min 56 s
